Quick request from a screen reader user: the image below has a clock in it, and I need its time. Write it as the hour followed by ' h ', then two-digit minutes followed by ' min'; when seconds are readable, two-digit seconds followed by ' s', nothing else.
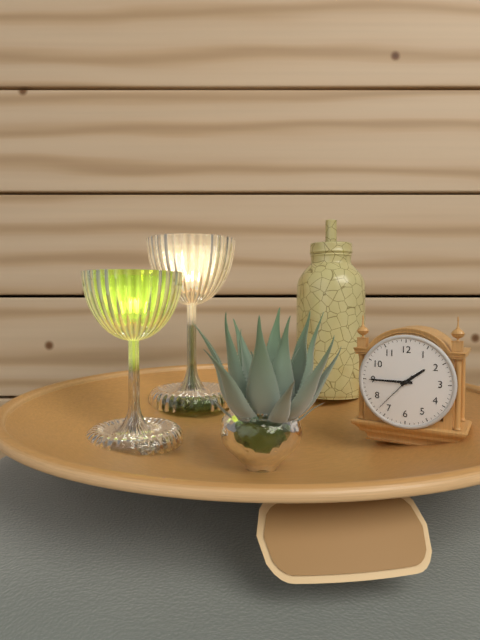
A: 1 h 45 min
